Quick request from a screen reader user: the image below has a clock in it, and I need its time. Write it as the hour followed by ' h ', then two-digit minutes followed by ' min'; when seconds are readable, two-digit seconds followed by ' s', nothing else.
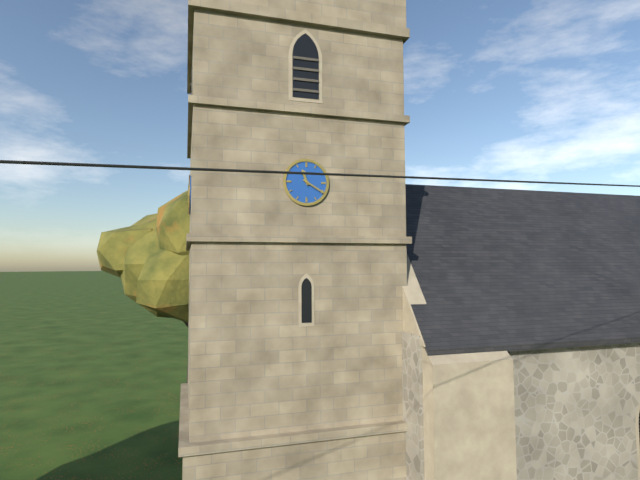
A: 11 h 20 min
